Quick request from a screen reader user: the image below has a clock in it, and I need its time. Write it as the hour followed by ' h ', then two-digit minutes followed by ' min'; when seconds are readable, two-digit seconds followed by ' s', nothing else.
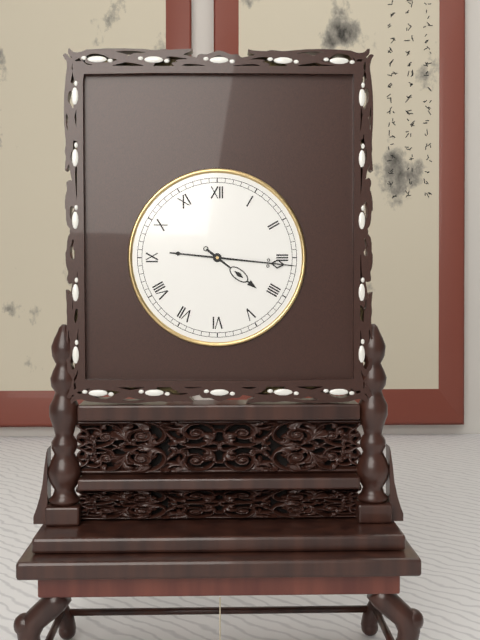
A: 4 h 16 min
